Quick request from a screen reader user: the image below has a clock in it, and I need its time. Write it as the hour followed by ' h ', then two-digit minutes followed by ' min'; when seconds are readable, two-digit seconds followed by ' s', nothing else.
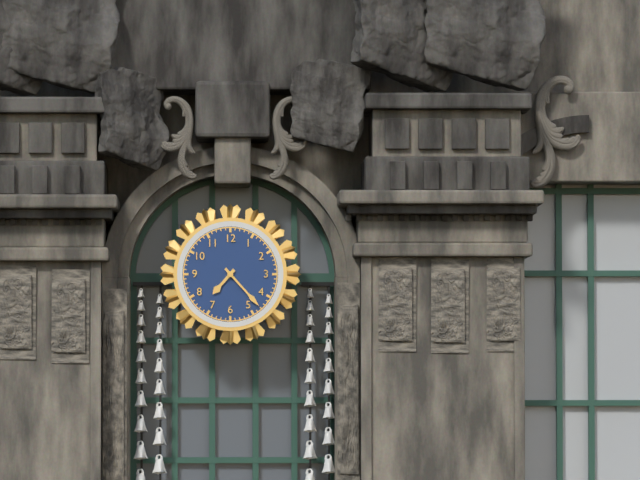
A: 7 h 23 min
